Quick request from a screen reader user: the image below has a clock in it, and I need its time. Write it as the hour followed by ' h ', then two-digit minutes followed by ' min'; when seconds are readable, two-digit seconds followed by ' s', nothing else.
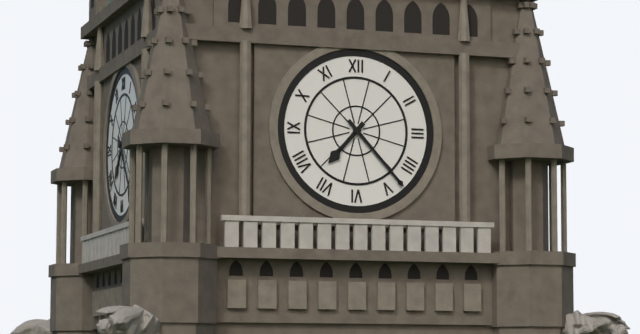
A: 7 h 23 min
